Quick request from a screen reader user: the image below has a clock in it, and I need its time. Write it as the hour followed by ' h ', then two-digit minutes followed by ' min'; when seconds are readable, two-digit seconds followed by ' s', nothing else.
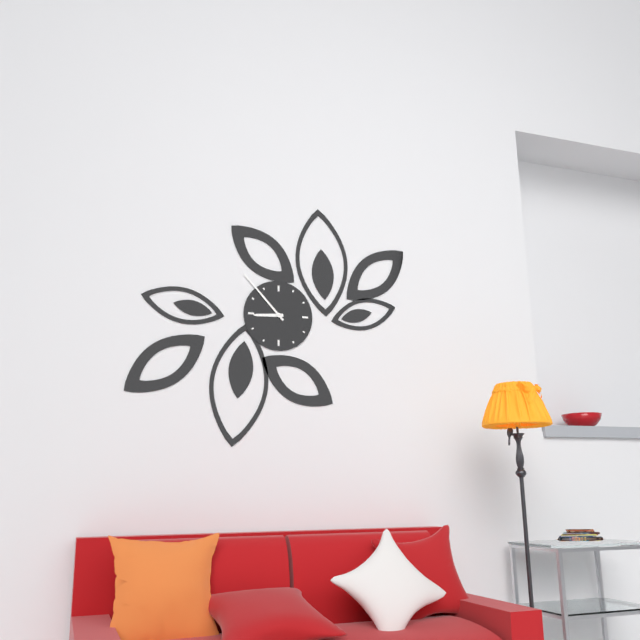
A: 8 h 53 min
